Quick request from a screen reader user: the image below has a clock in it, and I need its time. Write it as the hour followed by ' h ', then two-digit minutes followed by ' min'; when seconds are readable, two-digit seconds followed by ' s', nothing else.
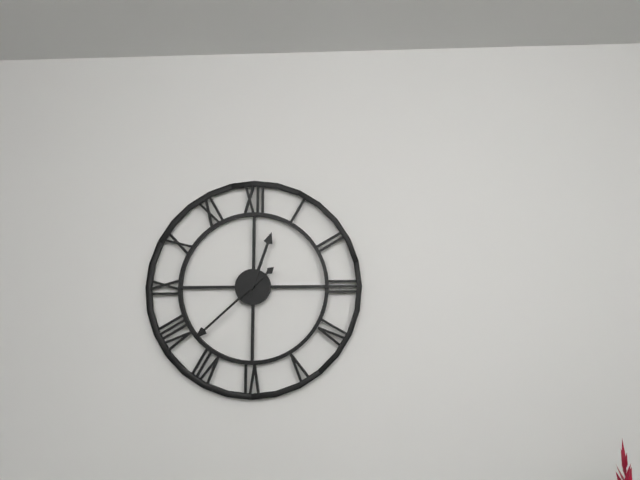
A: 12 h 38 min
